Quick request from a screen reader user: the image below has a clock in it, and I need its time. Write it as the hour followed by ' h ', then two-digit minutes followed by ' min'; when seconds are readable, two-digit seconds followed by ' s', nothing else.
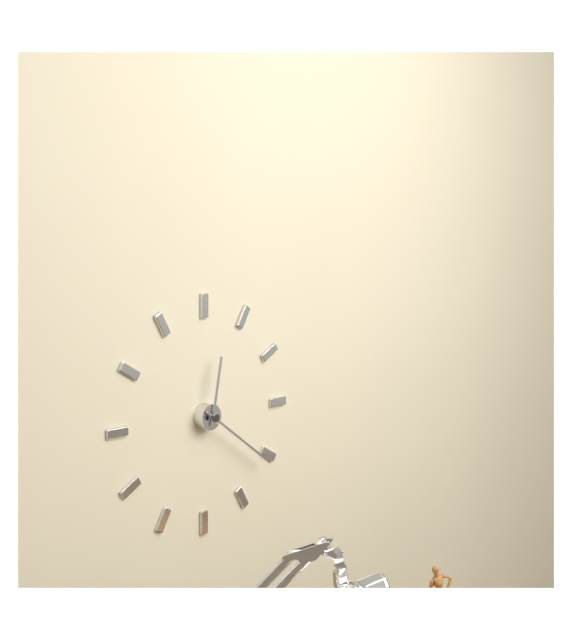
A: 12 h 21 min
